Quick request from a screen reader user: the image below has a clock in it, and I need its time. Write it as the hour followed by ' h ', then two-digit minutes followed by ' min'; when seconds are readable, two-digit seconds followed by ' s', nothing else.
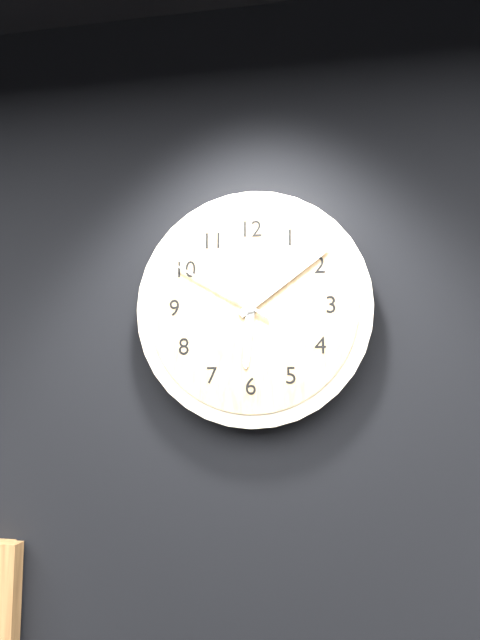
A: 6 h 09 min 50 s
